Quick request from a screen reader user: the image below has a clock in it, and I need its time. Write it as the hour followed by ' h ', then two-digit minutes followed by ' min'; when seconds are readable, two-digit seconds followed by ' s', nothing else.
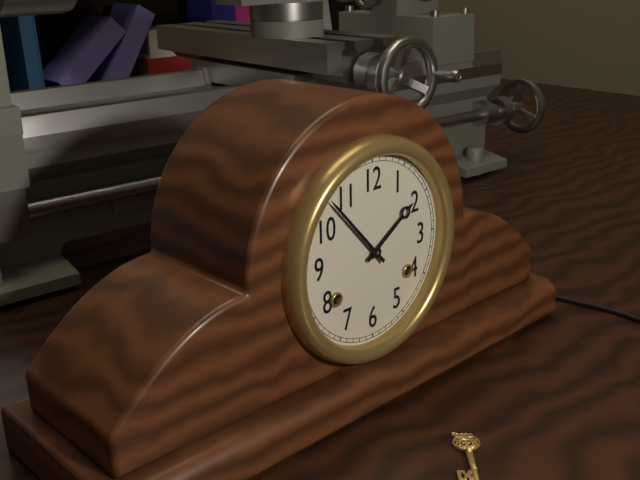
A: 1 h 53 min
